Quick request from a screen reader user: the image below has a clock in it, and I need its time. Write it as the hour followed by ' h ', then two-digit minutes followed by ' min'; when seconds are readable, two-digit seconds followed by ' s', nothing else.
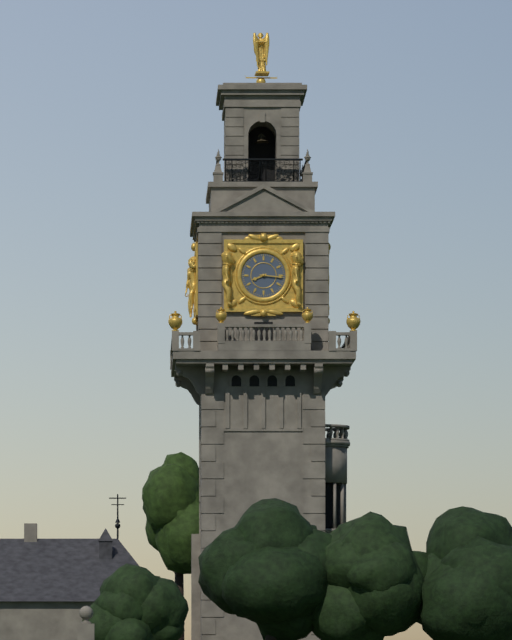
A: 8 h 16 min
